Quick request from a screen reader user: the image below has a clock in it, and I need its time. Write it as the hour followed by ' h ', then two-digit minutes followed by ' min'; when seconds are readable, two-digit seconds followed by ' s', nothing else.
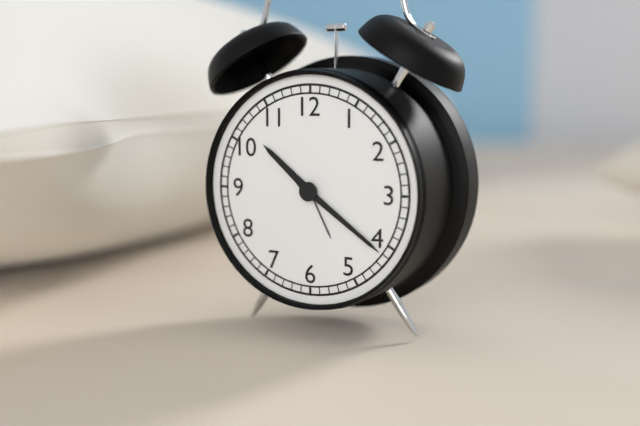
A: 10 h 21 min
